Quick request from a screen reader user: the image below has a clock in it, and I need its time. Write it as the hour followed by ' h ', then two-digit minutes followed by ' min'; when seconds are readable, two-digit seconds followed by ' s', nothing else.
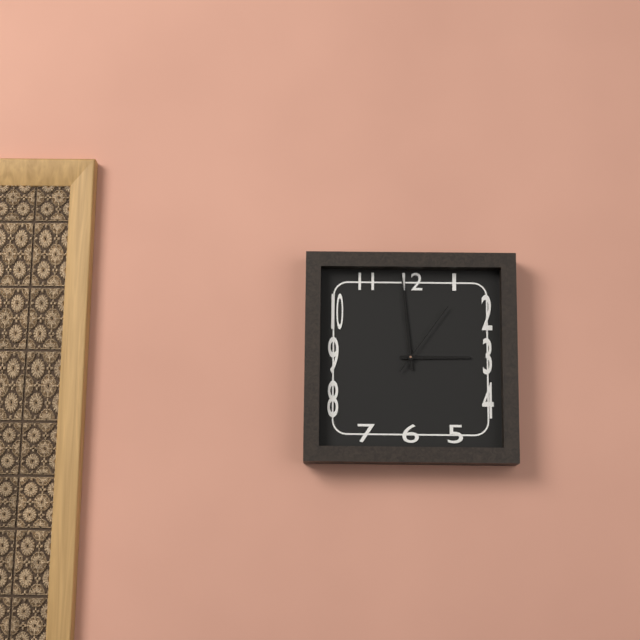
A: 2 h 59 min 06 s
